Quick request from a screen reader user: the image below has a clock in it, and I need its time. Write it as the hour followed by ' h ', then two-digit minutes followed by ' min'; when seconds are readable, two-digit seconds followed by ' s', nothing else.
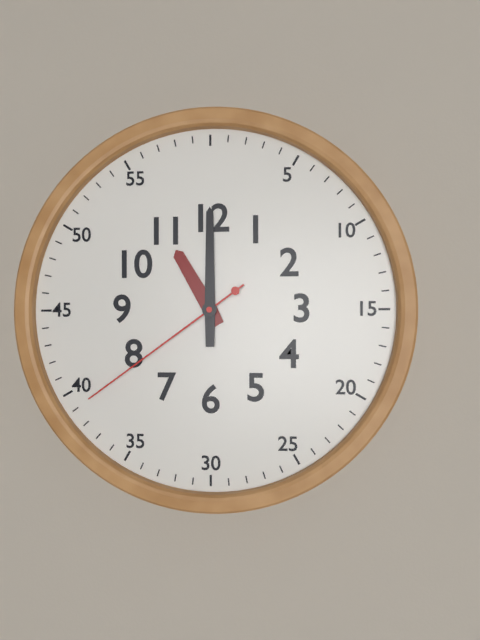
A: 11 h 00 min 39 s
